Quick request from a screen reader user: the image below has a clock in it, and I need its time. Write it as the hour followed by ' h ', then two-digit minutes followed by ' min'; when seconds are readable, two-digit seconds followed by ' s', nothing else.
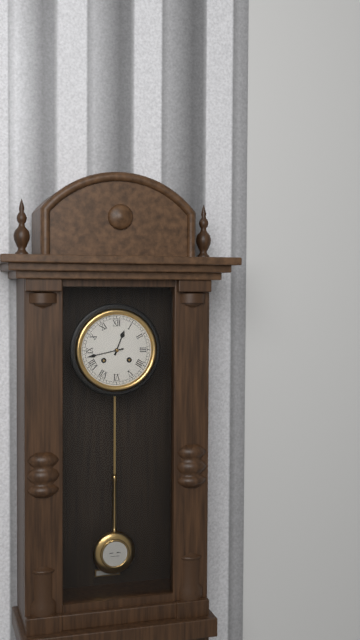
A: 12 h 43 min
